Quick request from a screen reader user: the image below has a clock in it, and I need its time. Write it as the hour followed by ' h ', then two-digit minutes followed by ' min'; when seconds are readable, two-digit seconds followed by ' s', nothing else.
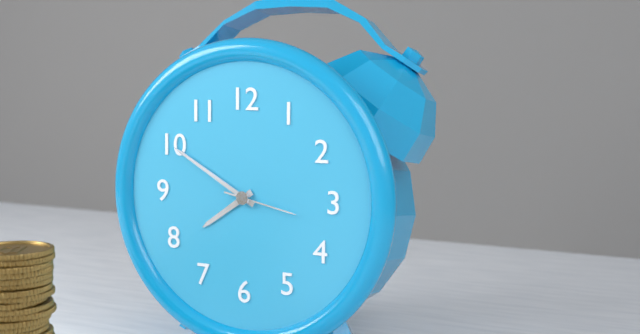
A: 7 h 50 min 17 s
